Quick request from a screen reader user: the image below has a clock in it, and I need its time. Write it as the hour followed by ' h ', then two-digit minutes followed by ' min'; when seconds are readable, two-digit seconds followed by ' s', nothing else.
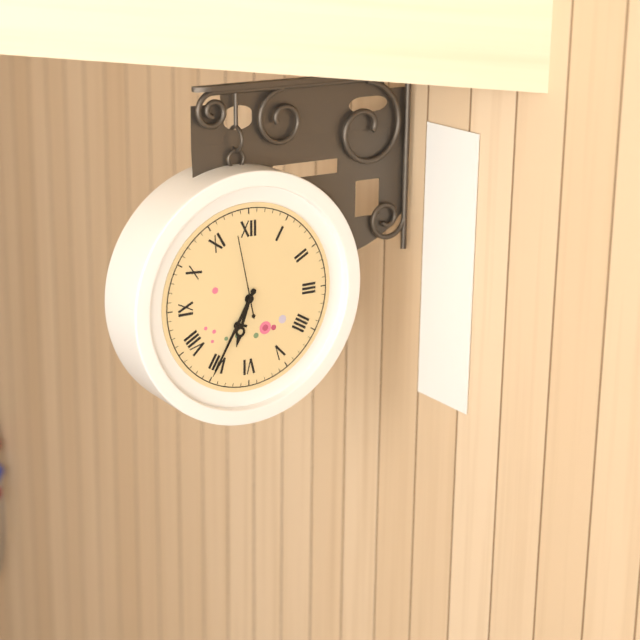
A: 6 h 35 min 58 s
